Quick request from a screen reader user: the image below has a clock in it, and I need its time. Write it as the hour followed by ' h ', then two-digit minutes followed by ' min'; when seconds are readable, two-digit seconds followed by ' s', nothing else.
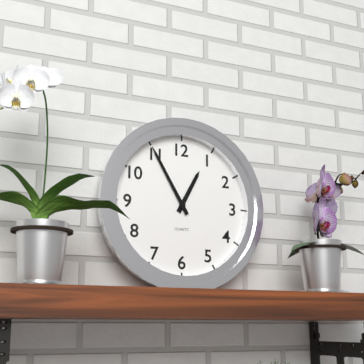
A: 12 h 55 min
